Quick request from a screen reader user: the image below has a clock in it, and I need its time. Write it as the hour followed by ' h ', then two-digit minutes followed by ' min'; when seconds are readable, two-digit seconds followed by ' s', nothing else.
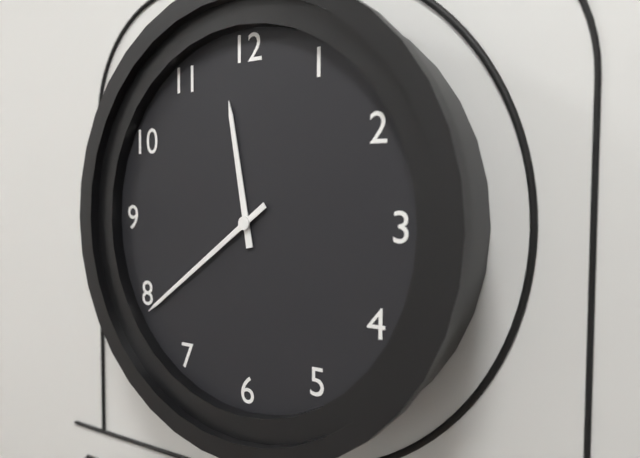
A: 11 h 39 min
